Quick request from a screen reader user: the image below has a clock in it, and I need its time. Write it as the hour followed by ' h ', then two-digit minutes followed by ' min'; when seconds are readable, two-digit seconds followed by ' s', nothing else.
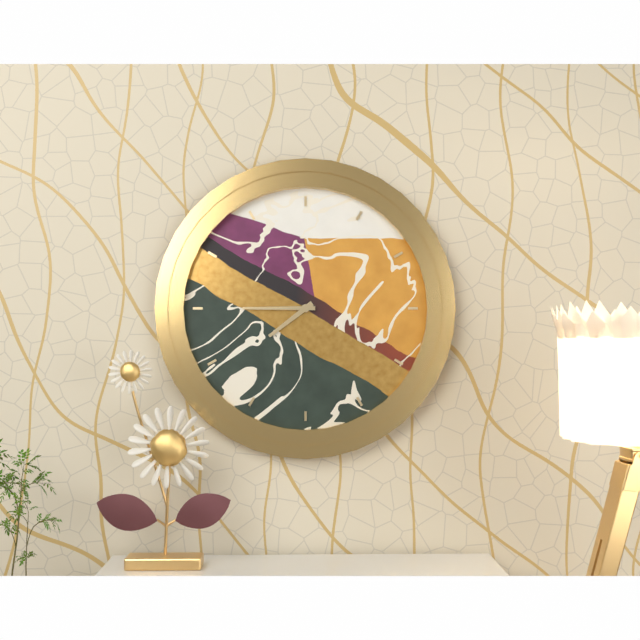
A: 7 h 45 min
